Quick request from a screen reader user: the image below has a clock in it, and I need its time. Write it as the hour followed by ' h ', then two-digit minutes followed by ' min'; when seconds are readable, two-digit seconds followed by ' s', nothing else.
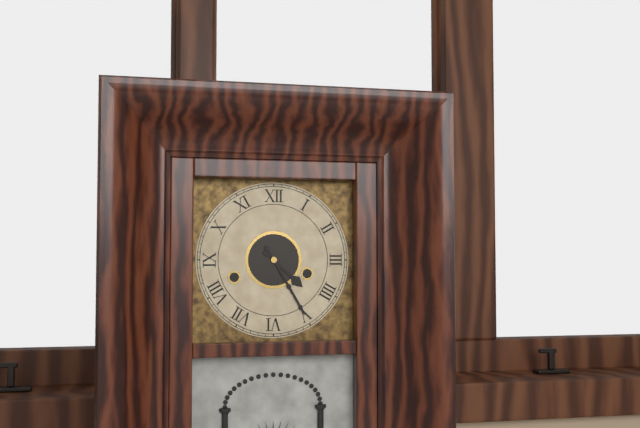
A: 4 h 25 min
